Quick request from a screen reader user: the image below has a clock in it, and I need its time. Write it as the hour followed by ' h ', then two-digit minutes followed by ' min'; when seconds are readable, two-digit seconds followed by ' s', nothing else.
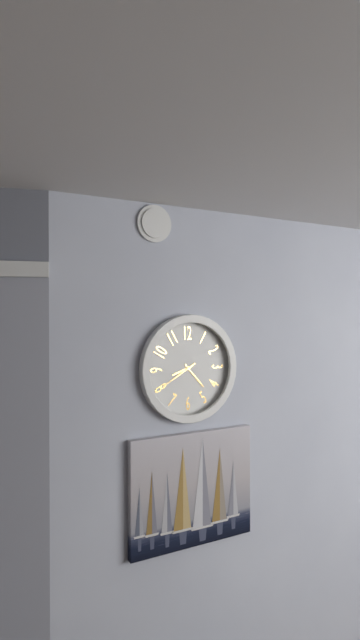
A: 8 h 23 min
